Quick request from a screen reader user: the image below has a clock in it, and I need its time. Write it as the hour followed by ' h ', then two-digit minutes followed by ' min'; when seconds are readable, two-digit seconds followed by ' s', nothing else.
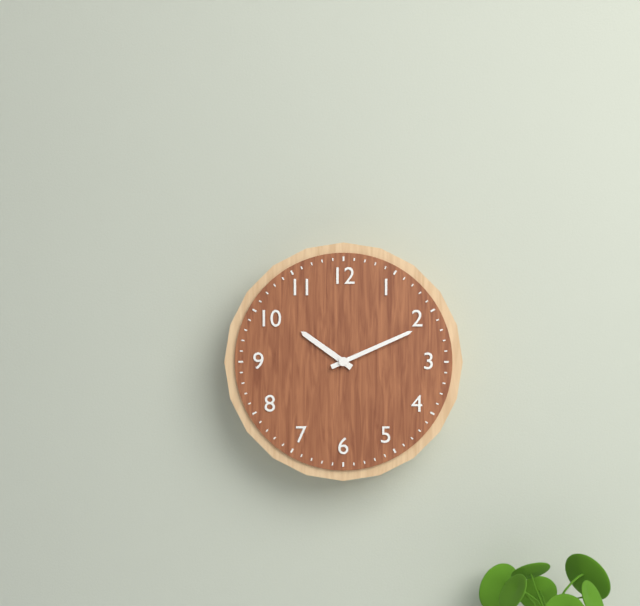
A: 10 h 11 min
